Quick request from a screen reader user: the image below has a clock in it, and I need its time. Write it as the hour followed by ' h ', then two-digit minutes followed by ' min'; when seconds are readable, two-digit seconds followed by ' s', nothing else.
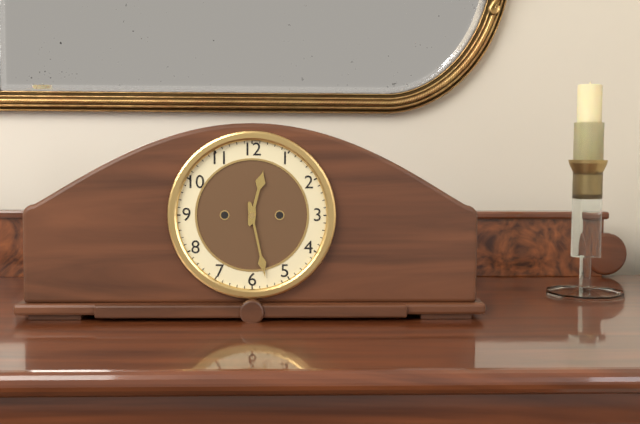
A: 12 h 28 min
